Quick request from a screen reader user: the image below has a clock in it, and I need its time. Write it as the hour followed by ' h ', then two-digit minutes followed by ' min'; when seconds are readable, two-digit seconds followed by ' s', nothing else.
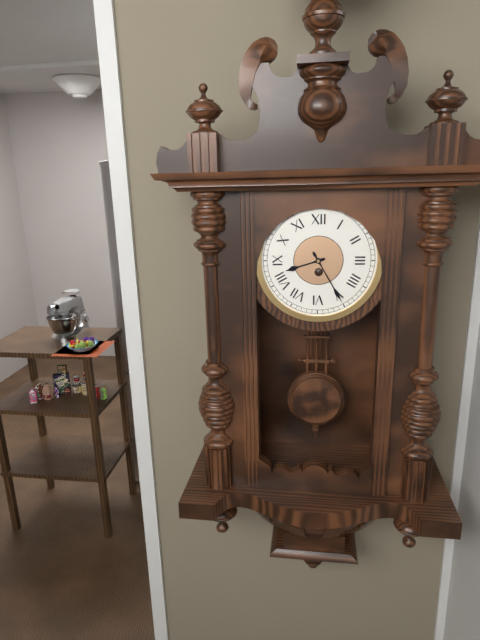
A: 8 h 25 min
